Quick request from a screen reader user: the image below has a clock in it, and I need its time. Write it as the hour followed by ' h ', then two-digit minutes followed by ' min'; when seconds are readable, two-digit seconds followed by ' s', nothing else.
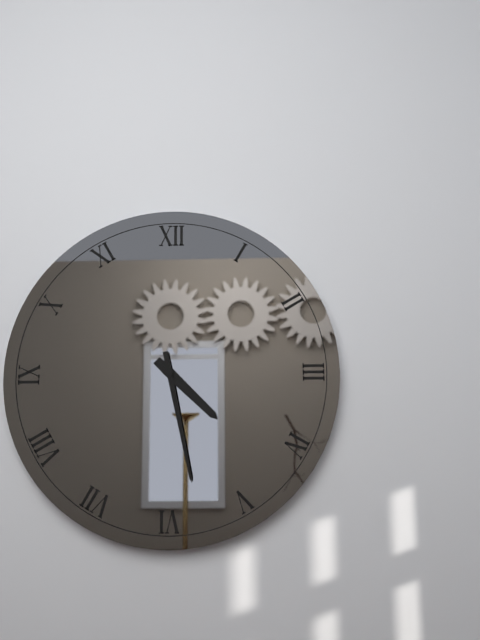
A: 4 h 28 min
